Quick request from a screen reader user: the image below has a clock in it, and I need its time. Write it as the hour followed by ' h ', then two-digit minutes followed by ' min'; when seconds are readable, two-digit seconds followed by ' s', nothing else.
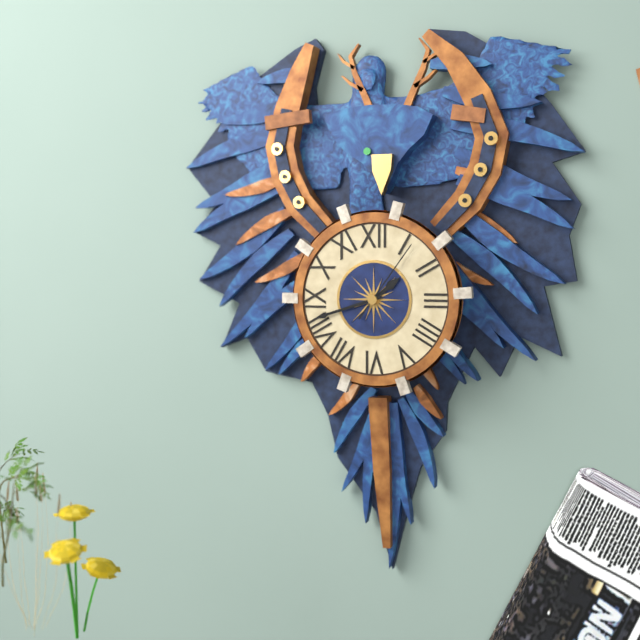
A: 1 h 42 min 06 s
